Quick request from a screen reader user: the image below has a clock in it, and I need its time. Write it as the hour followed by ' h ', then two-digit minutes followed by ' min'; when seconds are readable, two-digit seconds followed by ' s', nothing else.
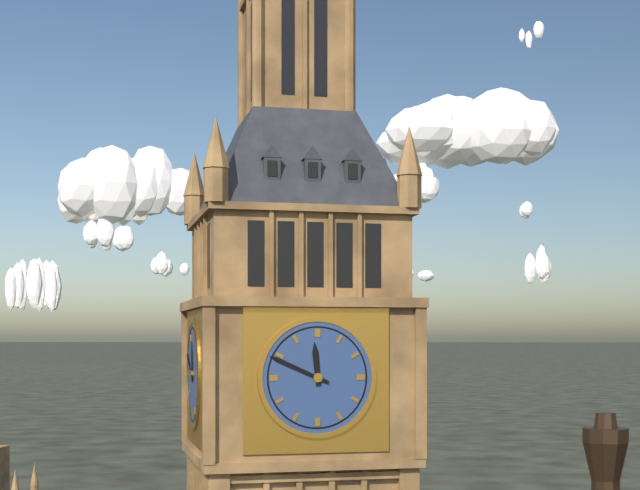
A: 11 h 49 min
